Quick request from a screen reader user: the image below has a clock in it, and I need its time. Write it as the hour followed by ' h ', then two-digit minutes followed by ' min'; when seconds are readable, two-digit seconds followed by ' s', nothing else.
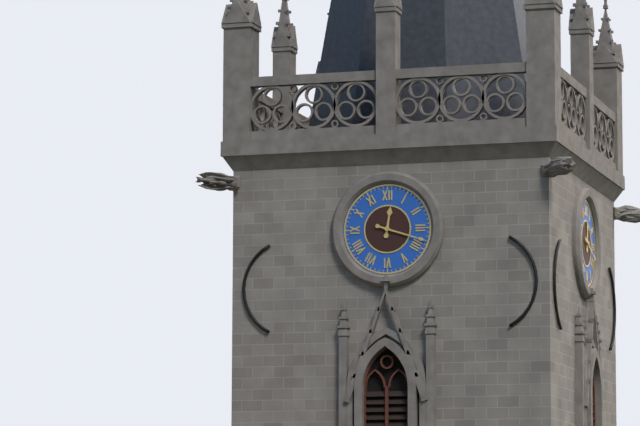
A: 12 h 18 min
